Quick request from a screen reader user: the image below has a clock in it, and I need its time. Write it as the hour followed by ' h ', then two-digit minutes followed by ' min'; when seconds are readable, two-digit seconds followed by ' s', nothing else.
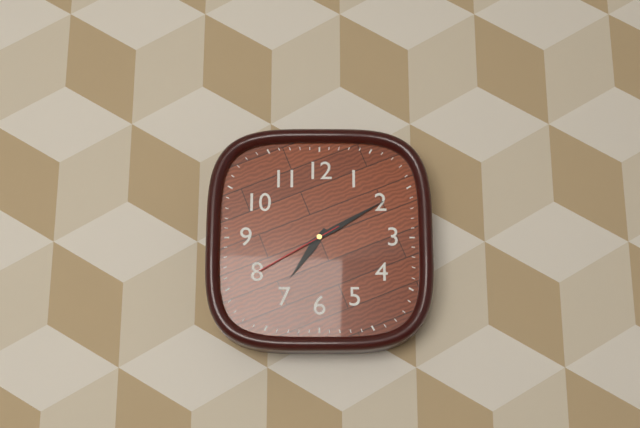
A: 7 h 10 min 40 s
